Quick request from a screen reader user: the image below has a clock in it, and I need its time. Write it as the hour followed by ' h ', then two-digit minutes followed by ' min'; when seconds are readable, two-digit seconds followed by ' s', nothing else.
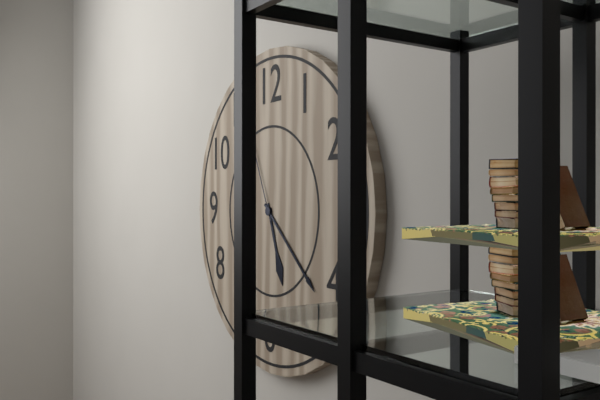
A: 5 h 22 min
